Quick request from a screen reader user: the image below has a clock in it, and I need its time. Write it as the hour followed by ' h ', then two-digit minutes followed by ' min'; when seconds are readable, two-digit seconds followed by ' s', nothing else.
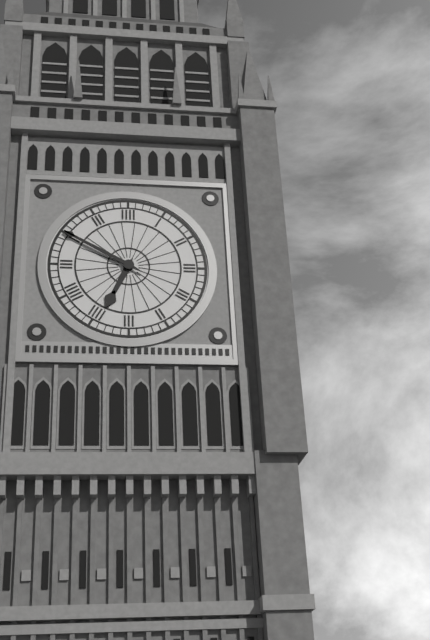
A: 6 h 50 min
